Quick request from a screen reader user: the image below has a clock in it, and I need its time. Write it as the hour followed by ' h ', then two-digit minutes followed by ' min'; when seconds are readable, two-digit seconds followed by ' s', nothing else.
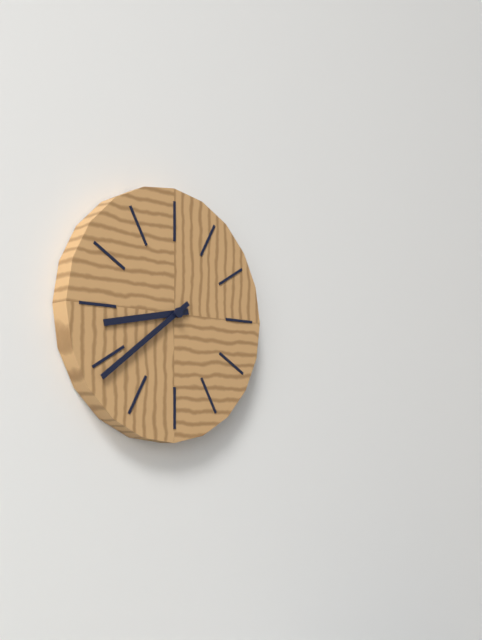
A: 8 h 39 min
